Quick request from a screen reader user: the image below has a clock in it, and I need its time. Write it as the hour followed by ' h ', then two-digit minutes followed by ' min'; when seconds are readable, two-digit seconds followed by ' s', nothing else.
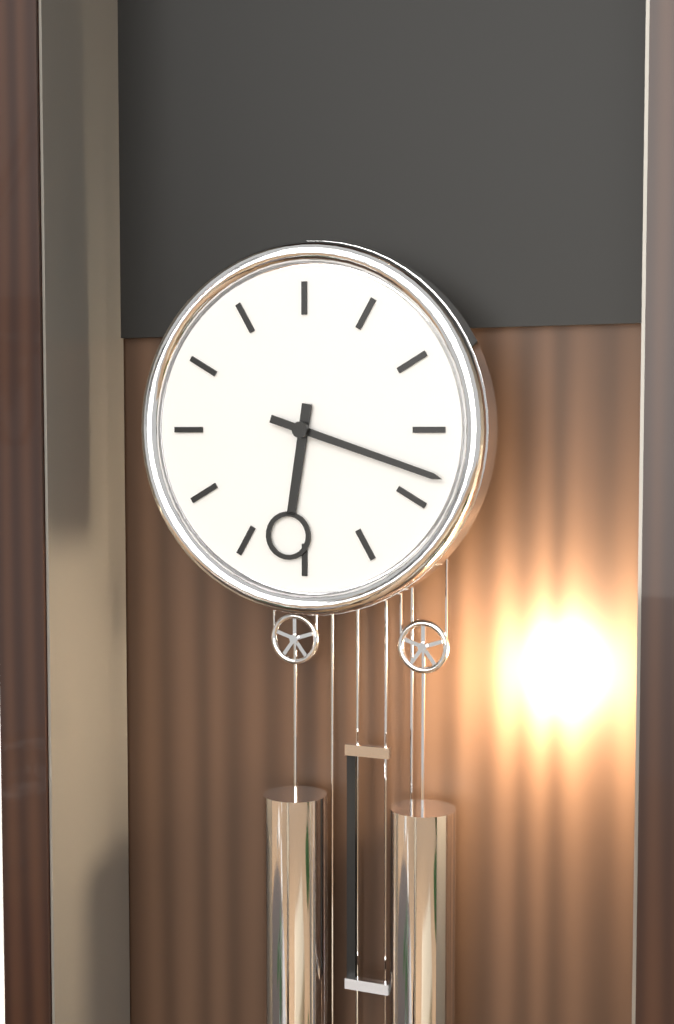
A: 6 h 18 min
